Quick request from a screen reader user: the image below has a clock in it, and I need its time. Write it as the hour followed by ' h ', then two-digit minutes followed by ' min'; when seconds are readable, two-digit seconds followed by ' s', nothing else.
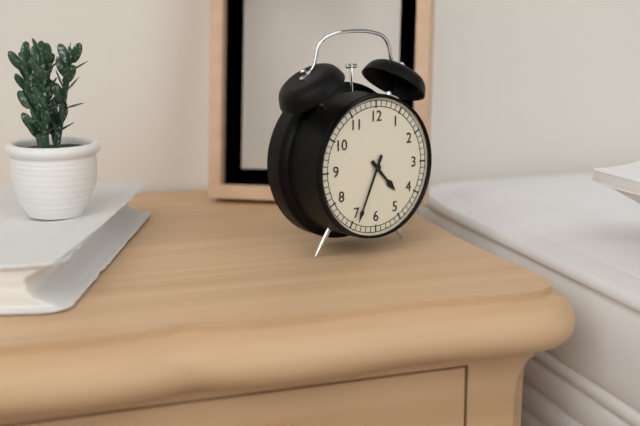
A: 4 h 34 min
